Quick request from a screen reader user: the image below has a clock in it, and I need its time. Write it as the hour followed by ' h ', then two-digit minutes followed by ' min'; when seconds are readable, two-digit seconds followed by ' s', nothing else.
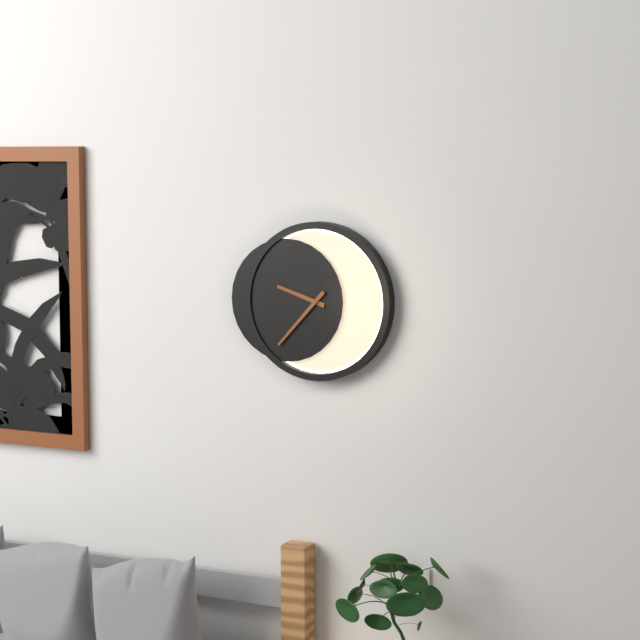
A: 9 h 37 min
